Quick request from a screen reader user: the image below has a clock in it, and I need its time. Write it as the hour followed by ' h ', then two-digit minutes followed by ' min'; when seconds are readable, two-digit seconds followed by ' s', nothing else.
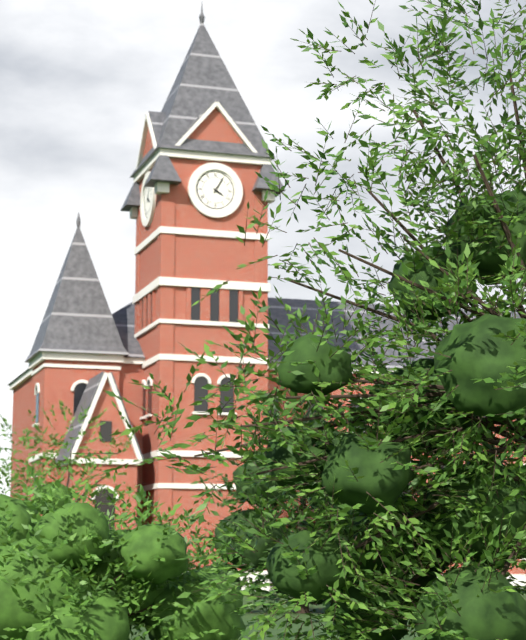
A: 4 h 05 min
